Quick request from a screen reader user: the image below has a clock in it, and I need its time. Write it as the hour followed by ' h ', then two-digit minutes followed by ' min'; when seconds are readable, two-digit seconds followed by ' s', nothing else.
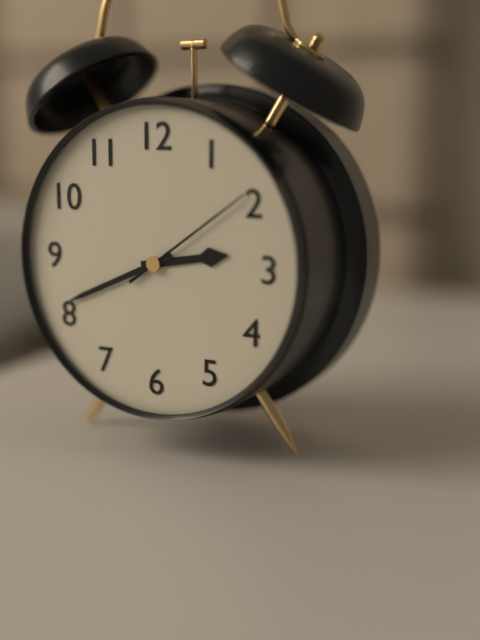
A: 2 h 41 min 09 s
